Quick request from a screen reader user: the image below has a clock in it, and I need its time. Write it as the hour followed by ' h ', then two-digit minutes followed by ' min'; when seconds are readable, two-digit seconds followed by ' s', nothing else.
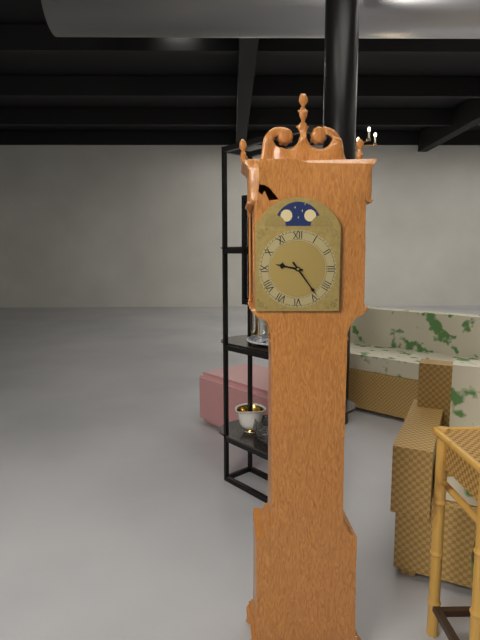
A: 9 h 24 min
